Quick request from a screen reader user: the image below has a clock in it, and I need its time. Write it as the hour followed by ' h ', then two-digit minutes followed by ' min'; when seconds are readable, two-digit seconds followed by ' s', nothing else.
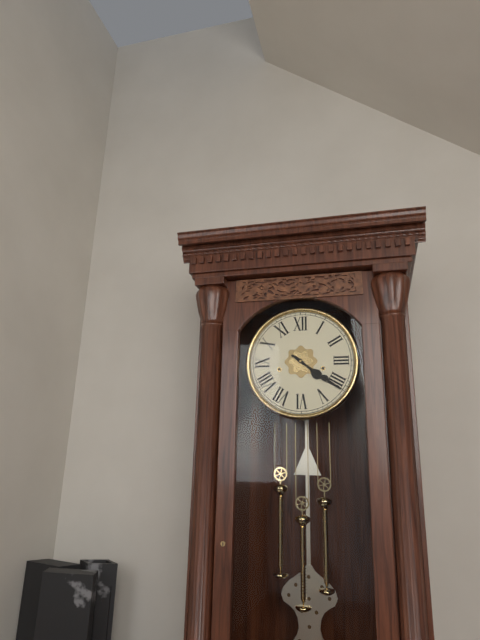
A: 4 h 21 min
